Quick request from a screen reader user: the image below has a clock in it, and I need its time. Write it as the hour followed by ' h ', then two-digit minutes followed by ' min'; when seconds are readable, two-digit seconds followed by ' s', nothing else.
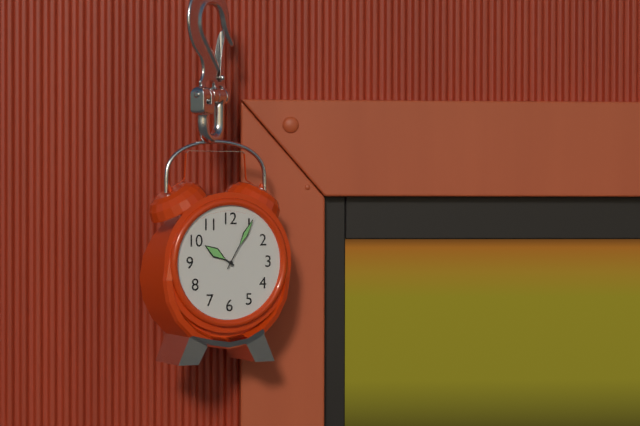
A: 10 h 05 min
